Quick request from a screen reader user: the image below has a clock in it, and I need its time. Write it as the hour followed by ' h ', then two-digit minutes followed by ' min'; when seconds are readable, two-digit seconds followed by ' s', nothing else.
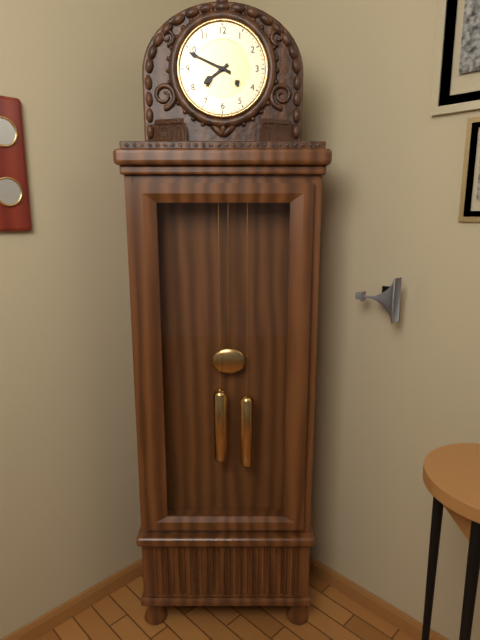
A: 7 h 49 min
